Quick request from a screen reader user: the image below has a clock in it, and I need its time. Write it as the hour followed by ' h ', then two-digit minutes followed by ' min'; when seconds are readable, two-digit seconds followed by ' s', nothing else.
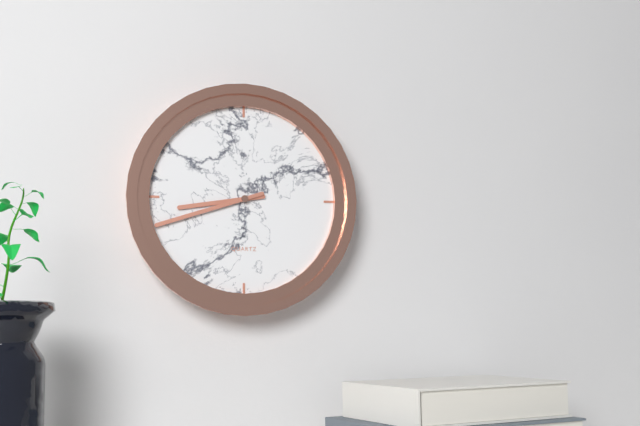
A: 8 h 42 min
